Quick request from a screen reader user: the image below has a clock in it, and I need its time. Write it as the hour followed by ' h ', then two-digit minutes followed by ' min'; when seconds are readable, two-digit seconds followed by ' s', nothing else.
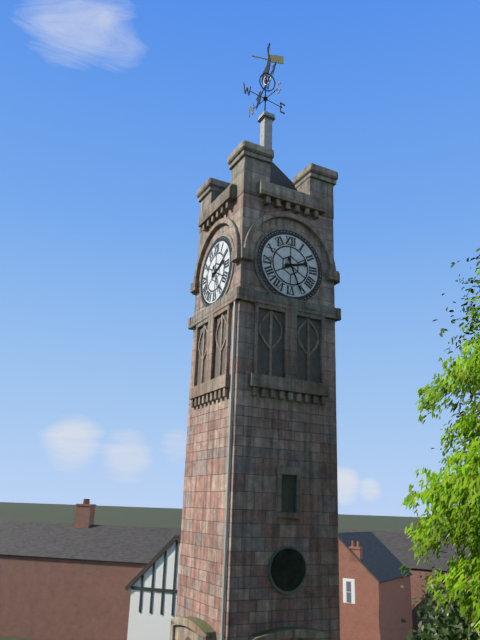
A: 2 h 26 min
